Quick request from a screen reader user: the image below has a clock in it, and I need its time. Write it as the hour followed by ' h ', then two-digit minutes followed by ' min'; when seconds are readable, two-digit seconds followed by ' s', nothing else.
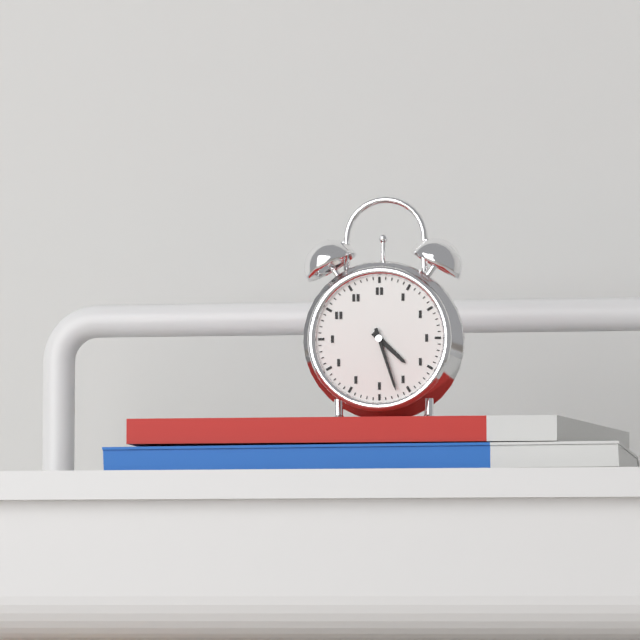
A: 4 h 27 min
